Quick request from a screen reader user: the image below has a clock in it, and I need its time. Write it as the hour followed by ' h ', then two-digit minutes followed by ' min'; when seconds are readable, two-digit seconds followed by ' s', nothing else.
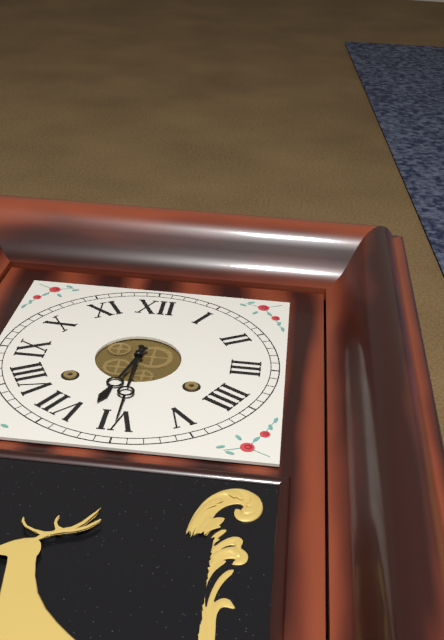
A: 6 h 30 min
